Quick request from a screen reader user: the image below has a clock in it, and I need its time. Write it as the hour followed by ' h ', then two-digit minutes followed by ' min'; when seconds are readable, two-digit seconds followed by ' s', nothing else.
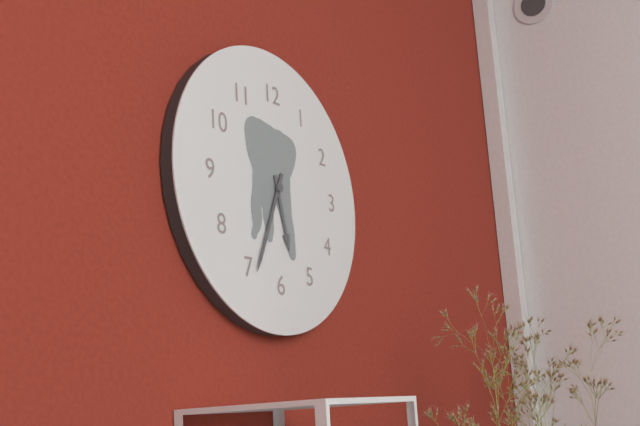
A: 5 h 34 min
